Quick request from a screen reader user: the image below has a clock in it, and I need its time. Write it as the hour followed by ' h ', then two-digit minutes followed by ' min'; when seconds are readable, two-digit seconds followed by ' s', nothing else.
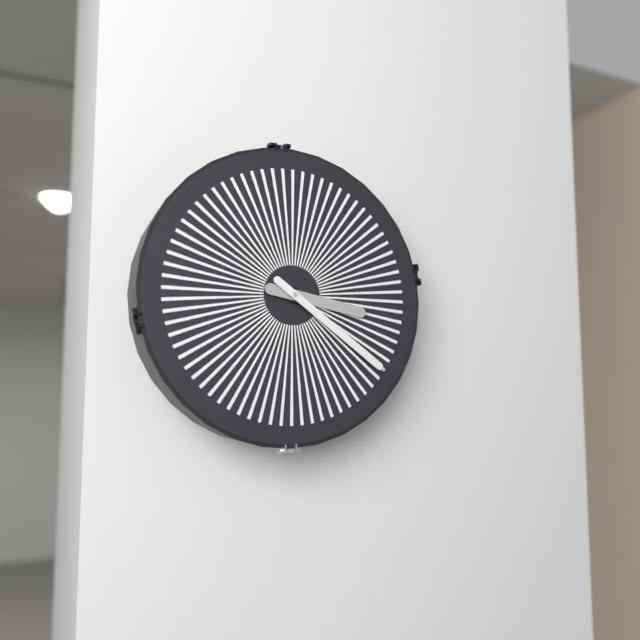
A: 3 h 21 min
